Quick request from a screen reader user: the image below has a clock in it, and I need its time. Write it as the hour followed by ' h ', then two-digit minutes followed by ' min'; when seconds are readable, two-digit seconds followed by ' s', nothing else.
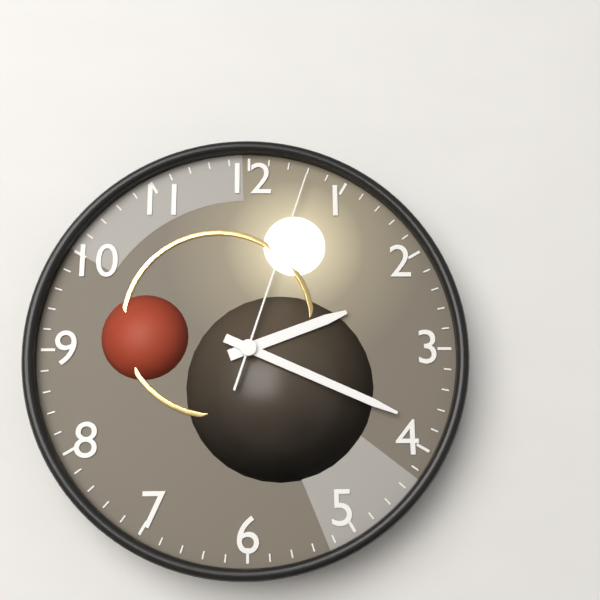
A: 2 h 19 min 03 s
